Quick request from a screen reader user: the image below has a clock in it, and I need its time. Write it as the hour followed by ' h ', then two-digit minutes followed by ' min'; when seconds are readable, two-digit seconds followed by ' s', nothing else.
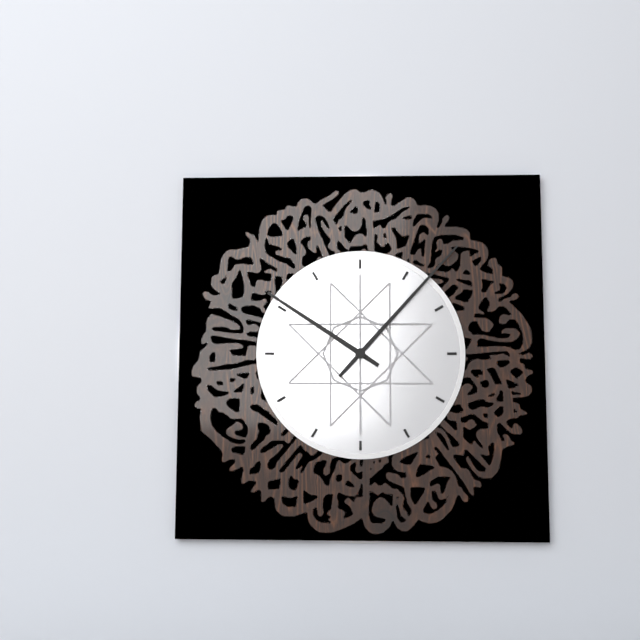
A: 10 h 07 min
